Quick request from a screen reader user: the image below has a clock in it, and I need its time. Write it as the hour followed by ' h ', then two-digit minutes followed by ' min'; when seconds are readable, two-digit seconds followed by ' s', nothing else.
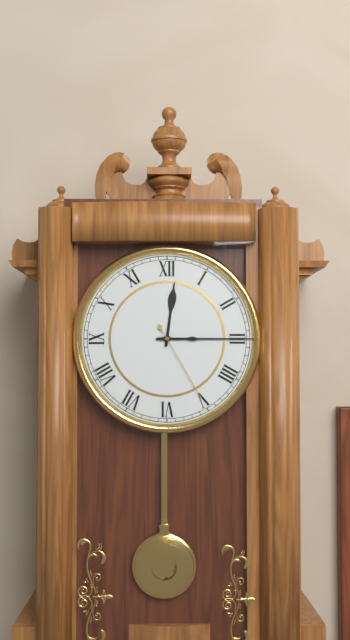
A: 12 h 15 min 25 s
